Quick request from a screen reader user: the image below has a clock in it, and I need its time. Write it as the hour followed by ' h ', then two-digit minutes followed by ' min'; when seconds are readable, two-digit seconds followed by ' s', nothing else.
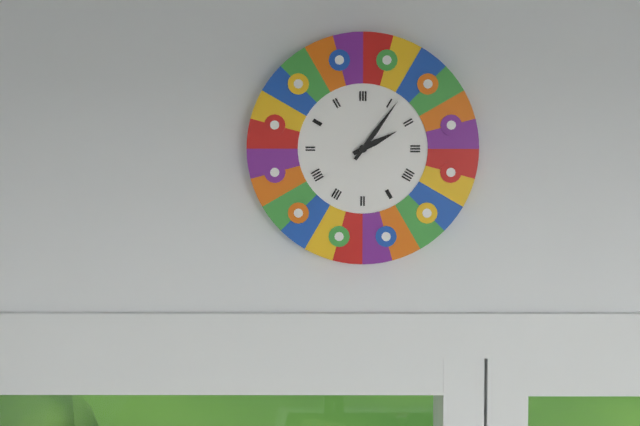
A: 2 h 06 min
